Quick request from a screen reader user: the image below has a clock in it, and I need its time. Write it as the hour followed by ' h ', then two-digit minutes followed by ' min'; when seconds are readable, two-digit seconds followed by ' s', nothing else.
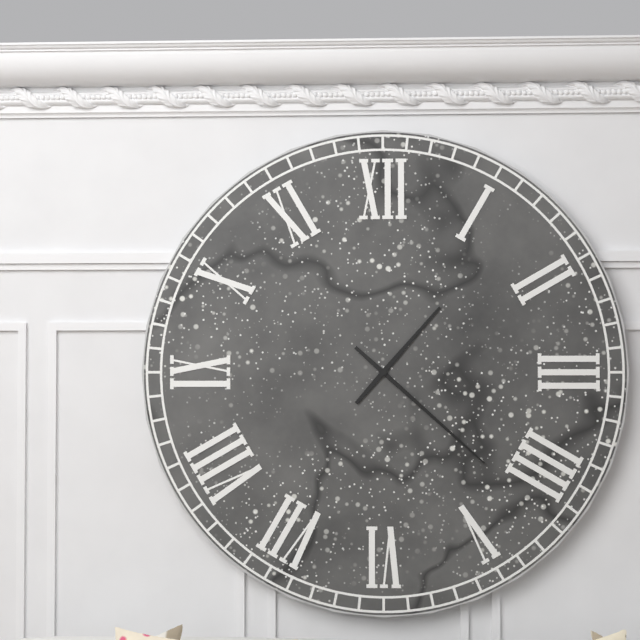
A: 1 h 22 min
